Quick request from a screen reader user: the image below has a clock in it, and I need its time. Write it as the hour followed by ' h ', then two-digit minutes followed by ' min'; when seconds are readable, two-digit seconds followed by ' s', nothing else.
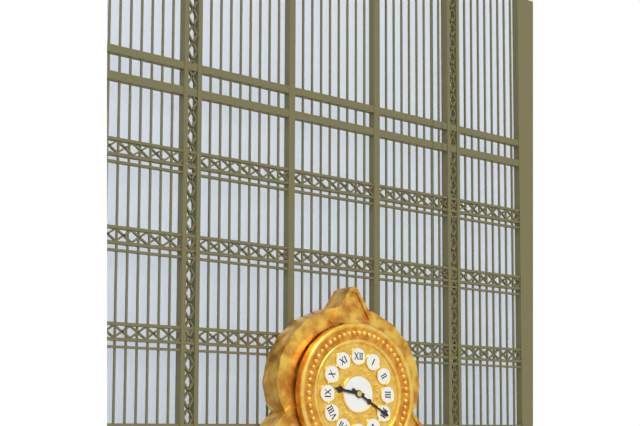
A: 9 h 20 min
